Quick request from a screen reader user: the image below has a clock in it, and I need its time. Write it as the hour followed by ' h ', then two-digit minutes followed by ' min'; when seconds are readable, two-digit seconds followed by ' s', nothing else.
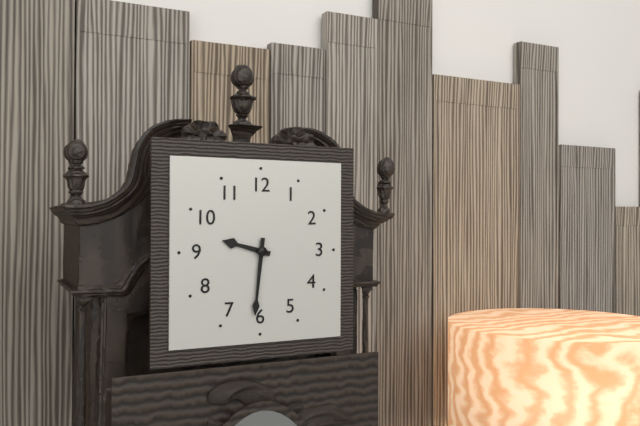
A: 9 h 31 min
